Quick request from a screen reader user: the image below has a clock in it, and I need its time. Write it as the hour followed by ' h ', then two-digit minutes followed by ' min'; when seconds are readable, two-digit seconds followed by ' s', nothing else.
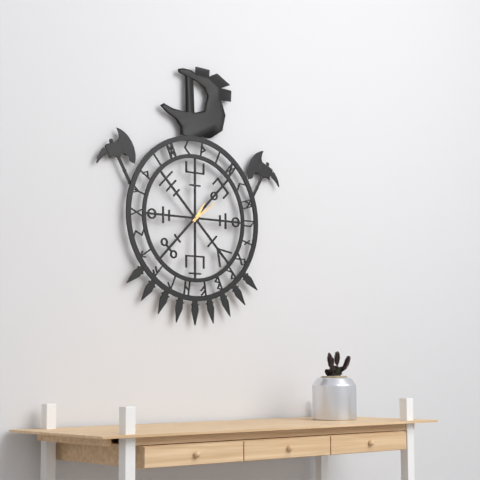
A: 1 h 09 min
